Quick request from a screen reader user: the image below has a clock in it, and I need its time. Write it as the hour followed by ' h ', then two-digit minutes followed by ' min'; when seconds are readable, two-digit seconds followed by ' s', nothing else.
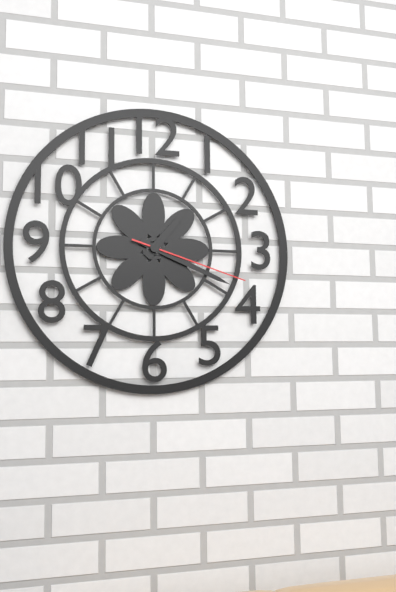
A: 1 h 19 min 18 s
